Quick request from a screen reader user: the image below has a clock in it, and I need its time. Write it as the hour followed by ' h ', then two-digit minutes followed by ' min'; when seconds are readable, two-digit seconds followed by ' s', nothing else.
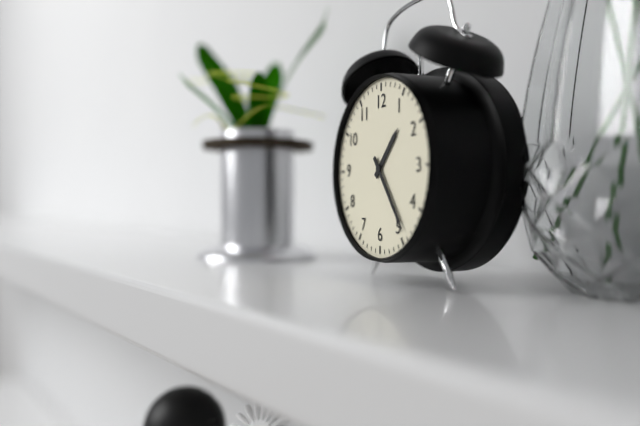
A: 1 h 24 min
